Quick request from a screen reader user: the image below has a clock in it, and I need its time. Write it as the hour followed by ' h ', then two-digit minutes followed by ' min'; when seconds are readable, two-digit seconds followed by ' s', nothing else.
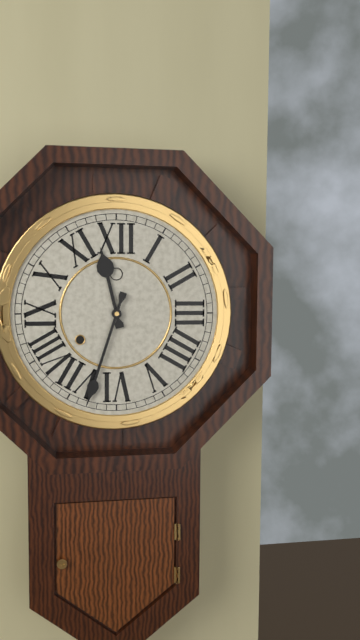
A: 11 h 33 min
